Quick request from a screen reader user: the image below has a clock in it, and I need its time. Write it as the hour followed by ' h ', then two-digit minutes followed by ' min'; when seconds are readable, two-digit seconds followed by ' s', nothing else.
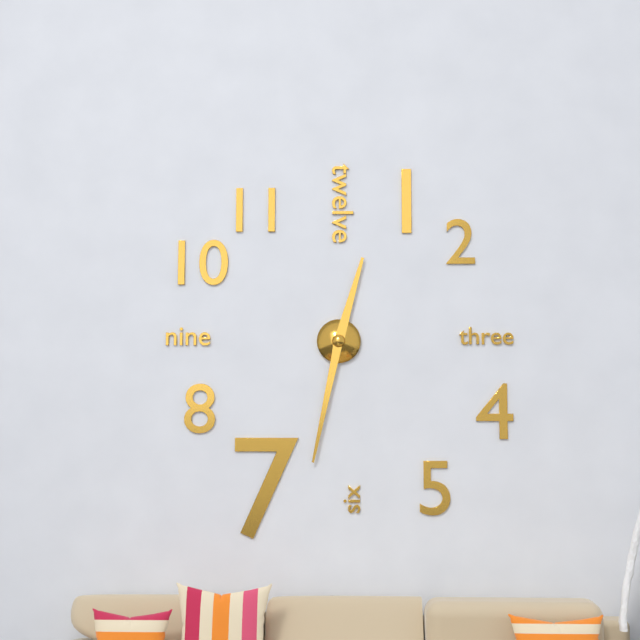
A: 12 h 32 min
